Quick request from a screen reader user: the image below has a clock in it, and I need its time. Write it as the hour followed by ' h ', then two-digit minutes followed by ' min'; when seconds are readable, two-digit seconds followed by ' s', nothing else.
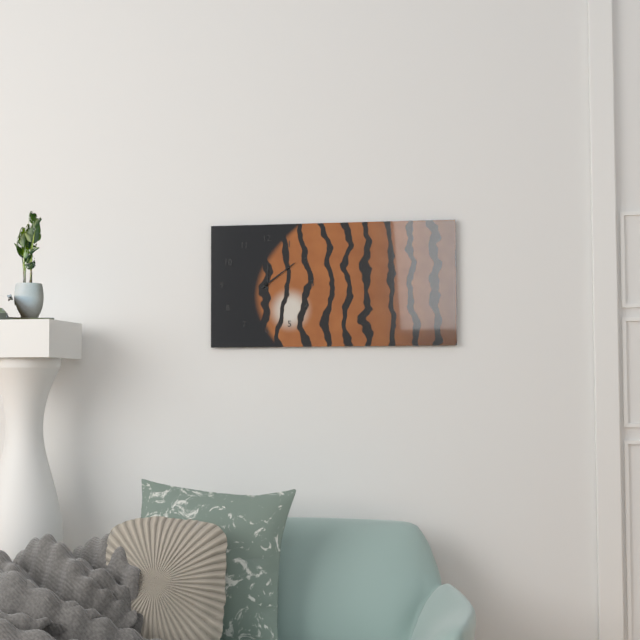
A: 12 h 09 min
